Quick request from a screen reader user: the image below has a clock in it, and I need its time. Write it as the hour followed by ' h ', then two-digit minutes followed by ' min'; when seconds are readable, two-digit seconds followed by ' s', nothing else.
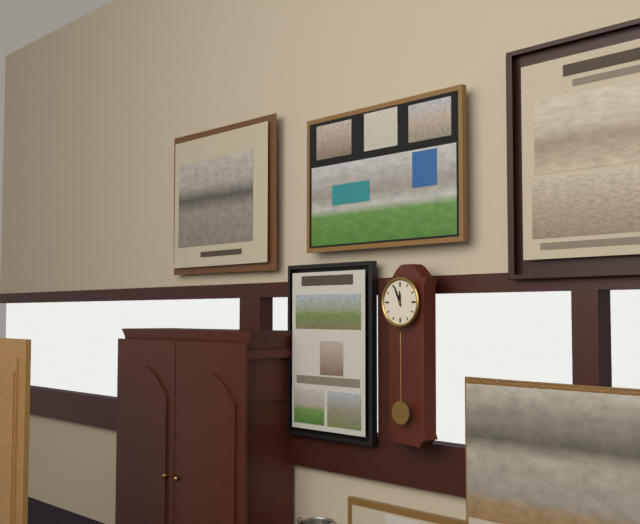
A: 11 h 56 min
